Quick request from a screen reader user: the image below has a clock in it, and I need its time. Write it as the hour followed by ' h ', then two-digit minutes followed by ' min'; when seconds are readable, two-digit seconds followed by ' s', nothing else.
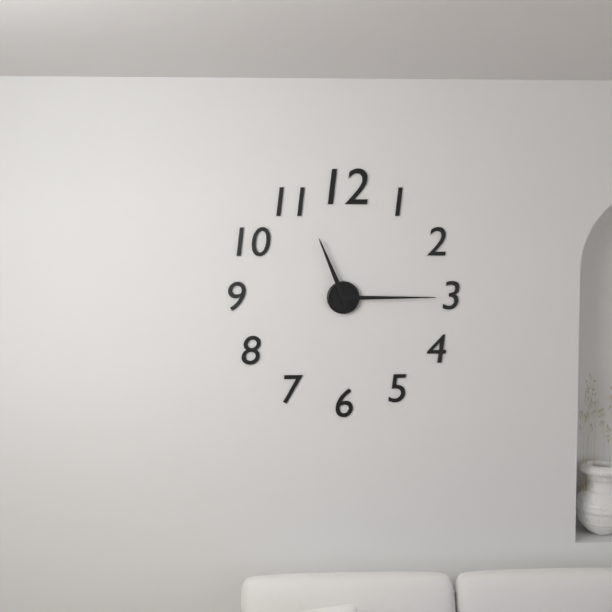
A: 11 h 15 min
